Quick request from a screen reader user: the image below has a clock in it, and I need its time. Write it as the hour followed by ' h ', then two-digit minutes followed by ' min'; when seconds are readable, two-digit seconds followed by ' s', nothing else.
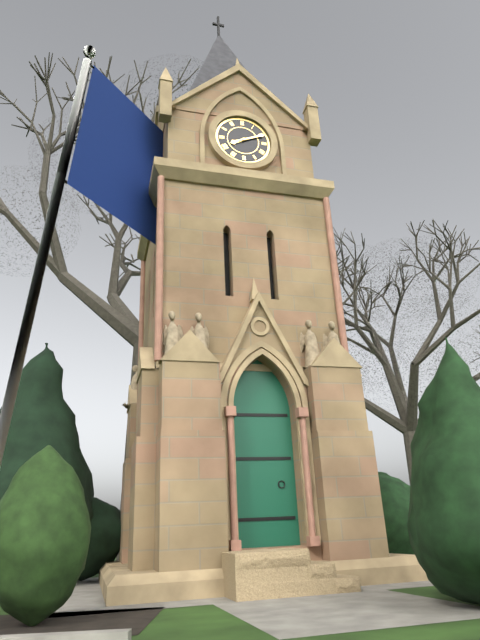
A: 8 h 11 min
